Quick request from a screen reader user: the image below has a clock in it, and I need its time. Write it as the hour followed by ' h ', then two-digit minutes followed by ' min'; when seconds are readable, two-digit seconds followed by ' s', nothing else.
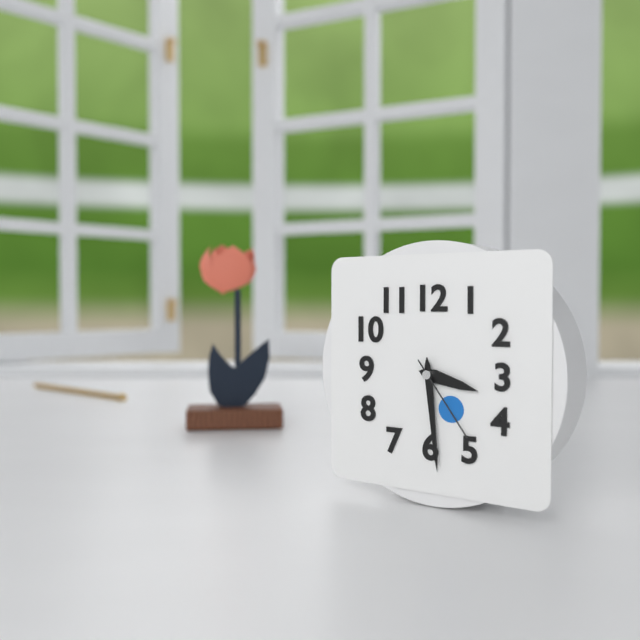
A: 3 h 29 min 24 s
